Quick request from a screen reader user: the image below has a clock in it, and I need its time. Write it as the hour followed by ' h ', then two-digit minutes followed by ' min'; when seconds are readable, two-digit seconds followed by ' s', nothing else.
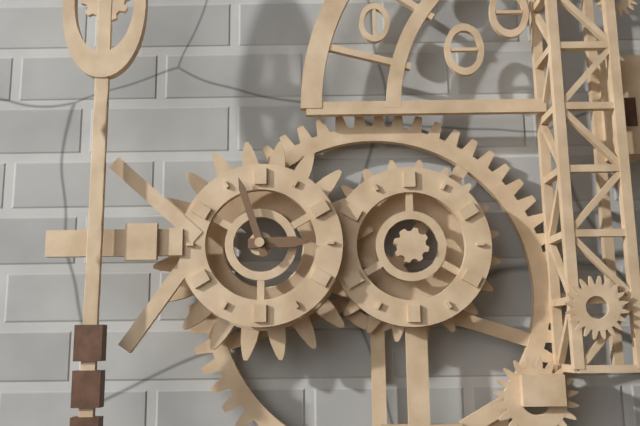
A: 2 h 57 min
